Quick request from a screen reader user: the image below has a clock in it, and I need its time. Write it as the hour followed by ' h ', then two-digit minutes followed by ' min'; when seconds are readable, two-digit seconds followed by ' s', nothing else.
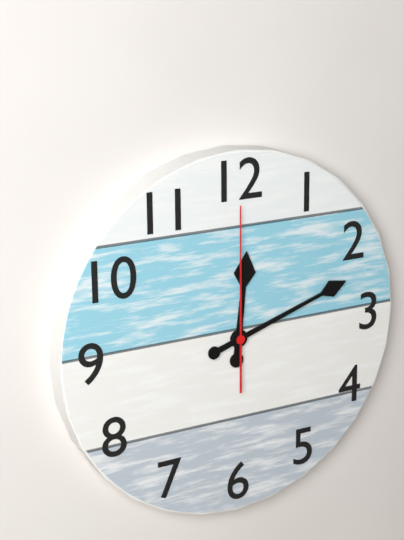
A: 12 h 12 min 00 s
